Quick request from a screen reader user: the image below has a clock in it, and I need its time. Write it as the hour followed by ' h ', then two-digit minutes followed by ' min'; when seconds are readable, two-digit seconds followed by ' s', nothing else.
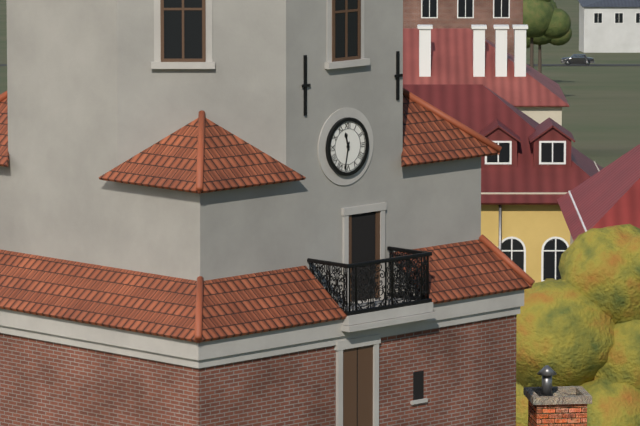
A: 11 h 32 min
